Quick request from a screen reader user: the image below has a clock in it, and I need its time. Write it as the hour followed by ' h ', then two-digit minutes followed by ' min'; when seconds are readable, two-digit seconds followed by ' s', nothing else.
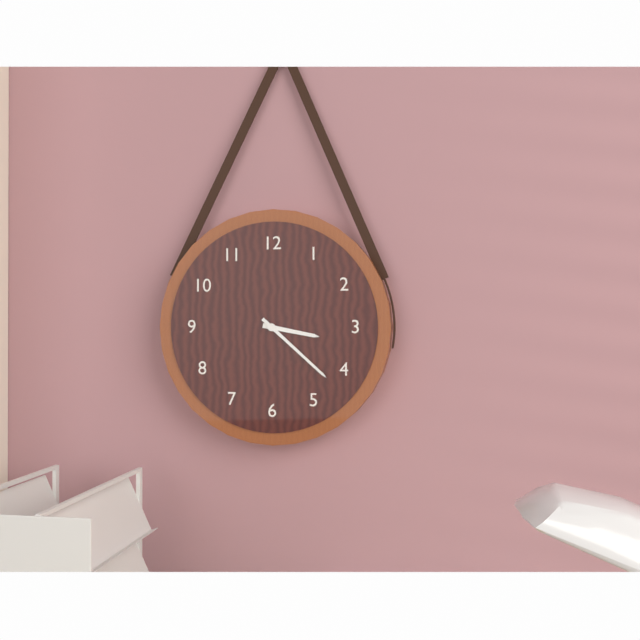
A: 3 h 22 min
